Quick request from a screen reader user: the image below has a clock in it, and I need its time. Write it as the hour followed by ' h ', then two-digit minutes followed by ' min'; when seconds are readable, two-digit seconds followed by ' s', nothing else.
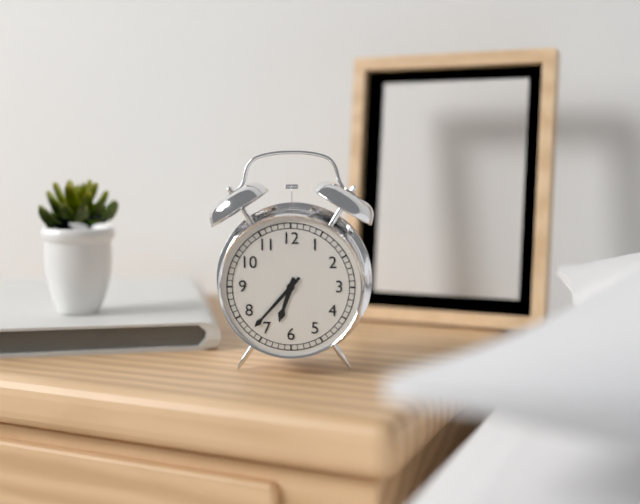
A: 6 h 37 min
